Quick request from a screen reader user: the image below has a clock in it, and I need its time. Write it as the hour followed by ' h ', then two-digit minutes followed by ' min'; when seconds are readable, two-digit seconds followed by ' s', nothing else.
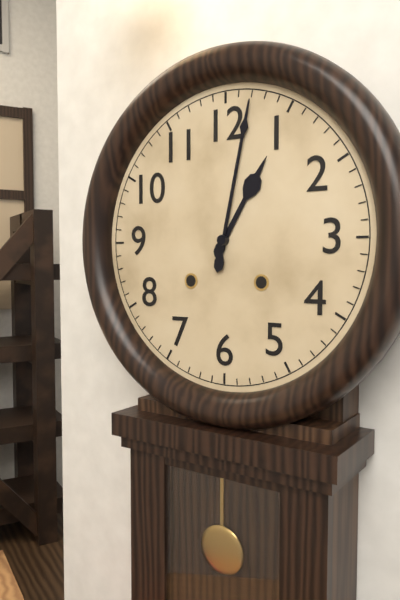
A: 1 h 02 min
